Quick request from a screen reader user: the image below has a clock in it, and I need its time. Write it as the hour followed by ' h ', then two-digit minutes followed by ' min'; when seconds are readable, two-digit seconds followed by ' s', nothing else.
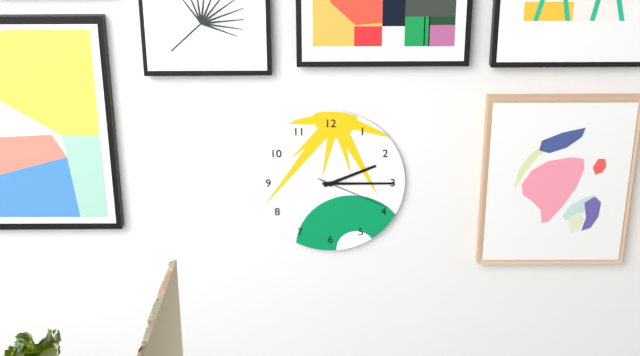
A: 2 h 15 min 19 s
